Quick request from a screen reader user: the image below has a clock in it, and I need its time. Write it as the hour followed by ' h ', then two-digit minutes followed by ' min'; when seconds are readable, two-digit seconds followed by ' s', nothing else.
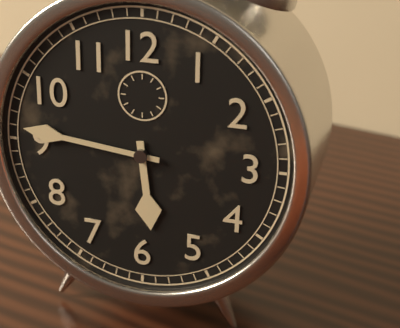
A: 5 h 46 min
